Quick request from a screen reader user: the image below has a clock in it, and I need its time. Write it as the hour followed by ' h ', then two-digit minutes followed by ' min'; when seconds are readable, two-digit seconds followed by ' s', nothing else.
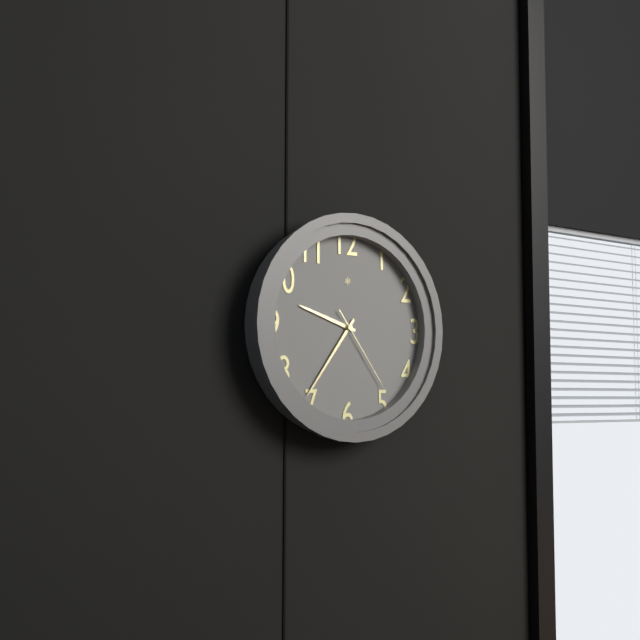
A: 9 h 36 min 24 s
